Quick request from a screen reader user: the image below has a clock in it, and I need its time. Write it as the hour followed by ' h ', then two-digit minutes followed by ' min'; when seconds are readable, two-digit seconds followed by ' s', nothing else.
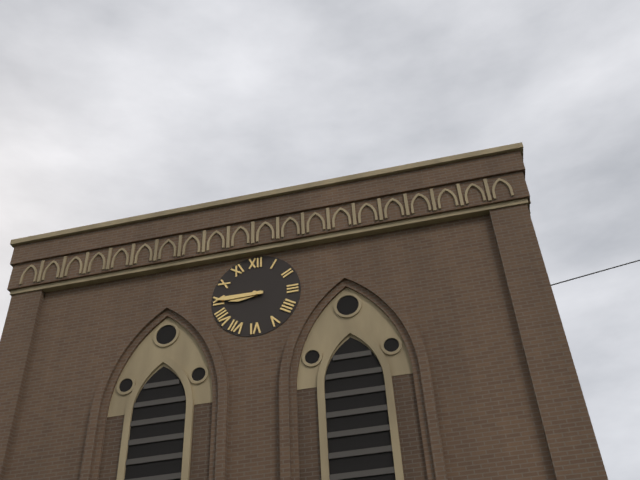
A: 8 h 45 min
